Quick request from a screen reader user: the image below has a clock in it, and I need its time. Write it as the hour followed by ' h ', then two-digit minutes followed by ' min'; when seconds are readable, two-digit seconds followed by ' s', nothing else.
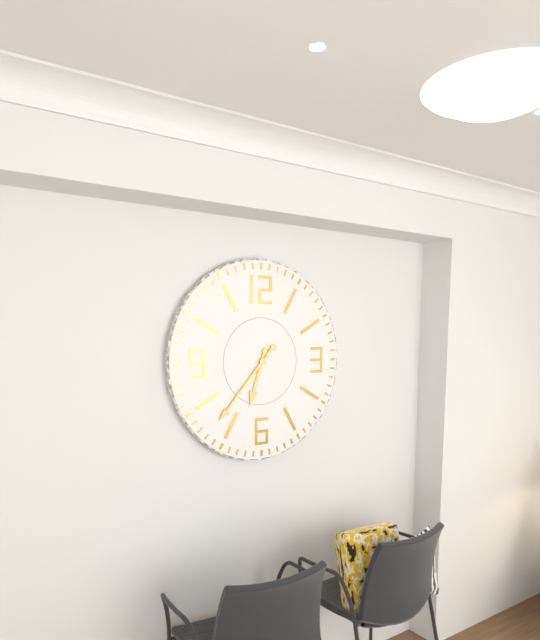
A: 6 h 37 min
